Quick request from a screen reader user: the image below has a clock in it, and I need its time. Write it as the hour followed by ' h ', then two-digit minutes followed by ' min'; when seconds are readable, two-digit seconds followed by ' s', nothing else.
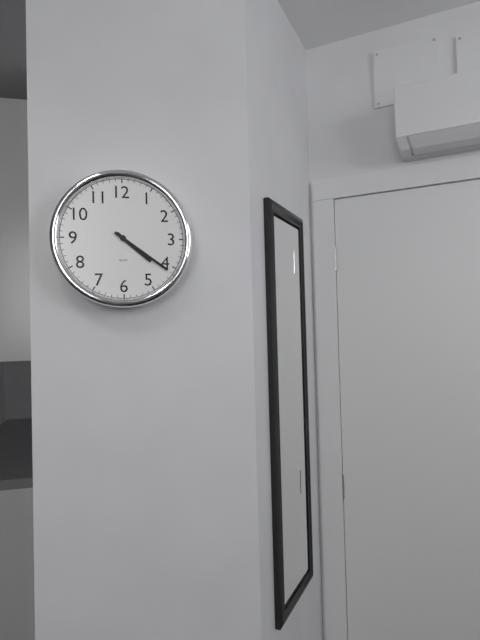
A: 4 h 21 min
